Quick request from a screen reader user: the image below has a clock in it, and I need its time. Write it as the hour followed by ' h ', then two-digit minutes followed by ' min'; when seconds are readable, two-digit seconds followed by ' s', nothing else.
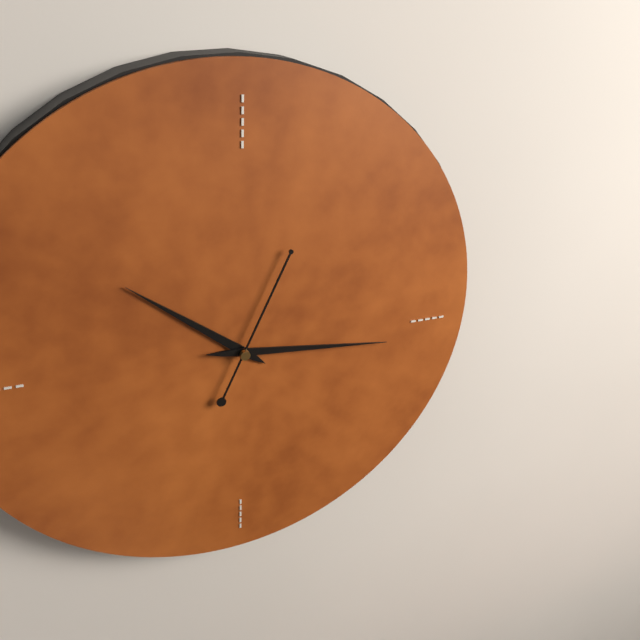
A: 10 h 16 min 04 s
